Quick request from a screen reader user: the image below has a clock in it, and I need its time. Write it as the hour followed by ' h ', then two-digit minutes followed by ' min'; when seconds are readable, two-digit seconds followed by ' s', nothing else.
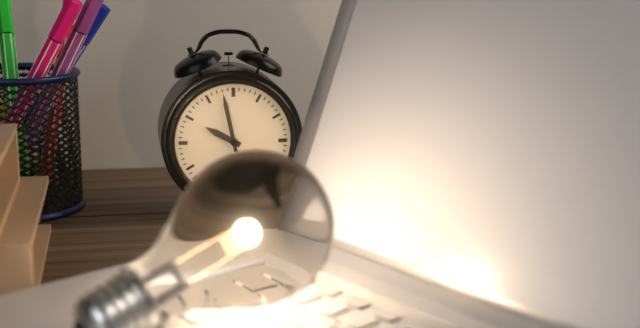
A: 9 h 58 min
